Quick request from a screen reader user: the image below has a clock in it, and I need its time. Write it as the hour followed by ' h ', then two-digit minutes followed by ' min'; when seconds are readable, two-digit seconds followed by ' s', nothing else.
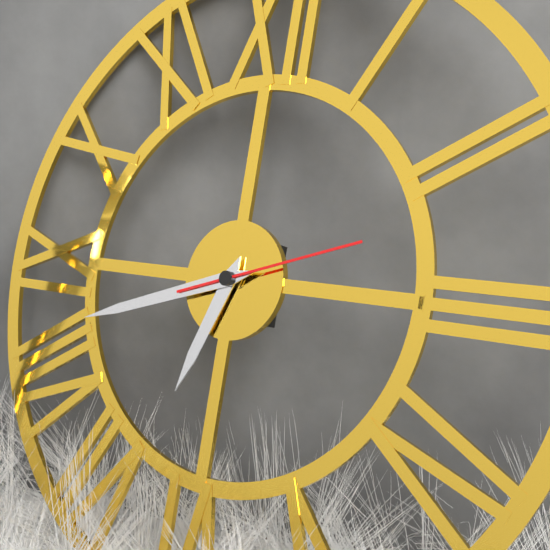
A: 6 h 42 min 12 s
